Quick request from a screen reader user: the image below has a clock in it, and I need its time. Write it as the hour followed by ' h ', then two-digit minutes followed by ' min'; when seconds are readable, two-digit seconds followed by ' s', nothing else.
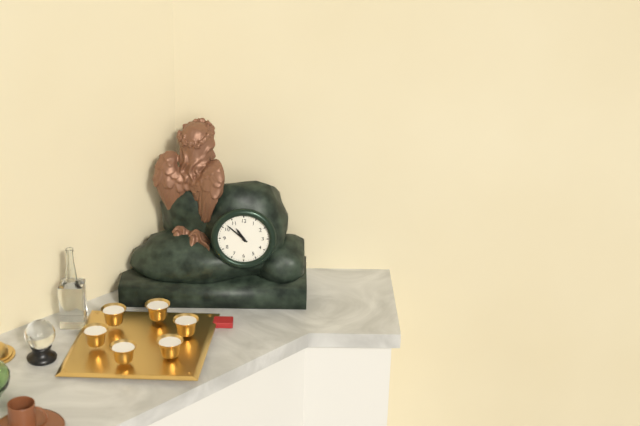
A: 10 h 52 min
